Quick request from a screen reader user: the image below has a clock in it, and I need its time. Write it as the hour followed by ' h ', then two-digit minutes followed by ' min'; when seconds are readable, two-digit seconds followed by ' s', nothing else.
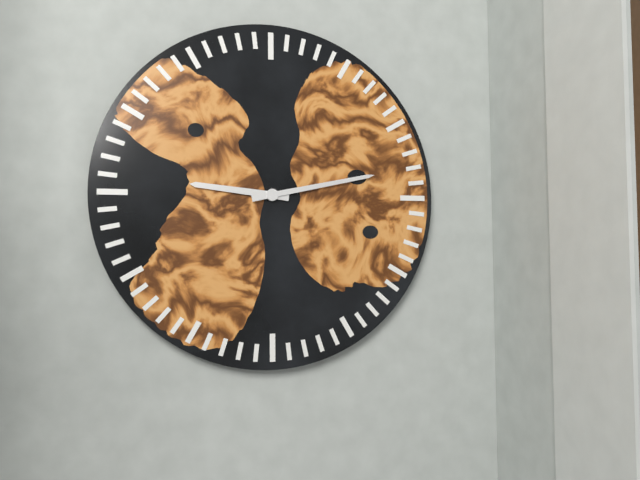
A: 9 h 13 min
